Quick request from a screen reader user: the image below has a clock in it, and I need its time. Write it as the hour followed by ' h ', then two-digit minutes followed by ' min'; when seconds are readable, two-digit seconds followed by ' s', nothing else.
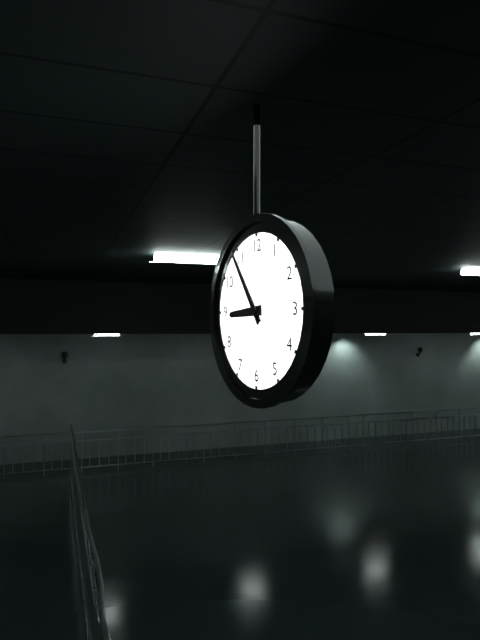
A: 8 h 54 min
